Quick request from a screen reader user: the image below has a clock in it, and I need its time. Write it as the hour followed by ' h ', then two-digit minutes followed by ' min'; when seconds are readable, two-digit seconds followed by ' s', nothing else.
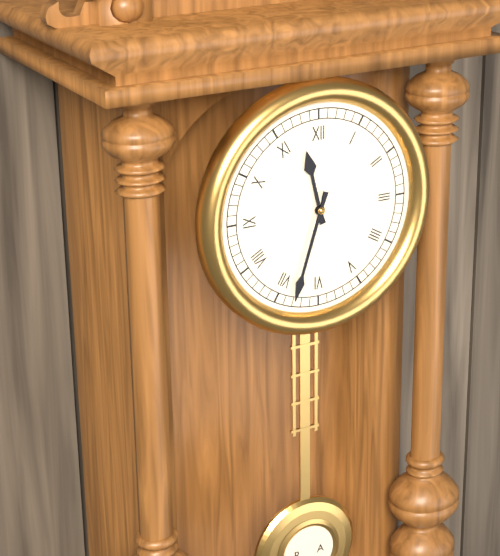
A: 11 h 33 min
